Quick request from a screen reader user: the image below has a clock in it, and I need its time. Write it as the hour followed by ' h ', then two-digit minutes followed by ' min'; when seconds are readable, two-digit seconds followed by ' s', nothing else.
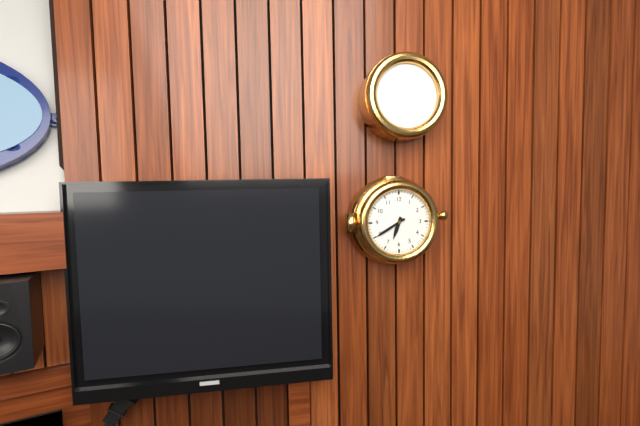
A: 6 h 40 min
